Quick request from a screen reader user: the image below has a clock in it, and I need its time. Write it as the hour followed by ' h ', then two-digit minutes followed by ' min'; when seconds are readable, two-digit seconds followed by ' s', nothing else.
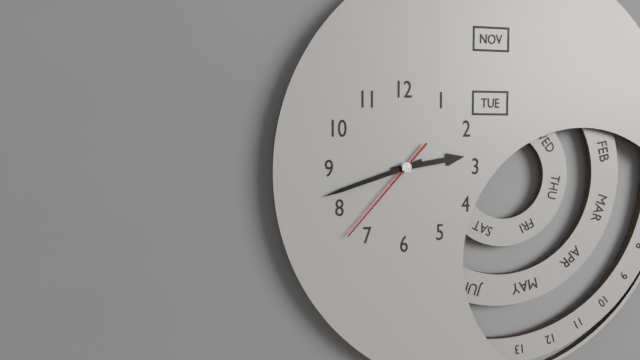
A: 2 h 42 min 37 s
